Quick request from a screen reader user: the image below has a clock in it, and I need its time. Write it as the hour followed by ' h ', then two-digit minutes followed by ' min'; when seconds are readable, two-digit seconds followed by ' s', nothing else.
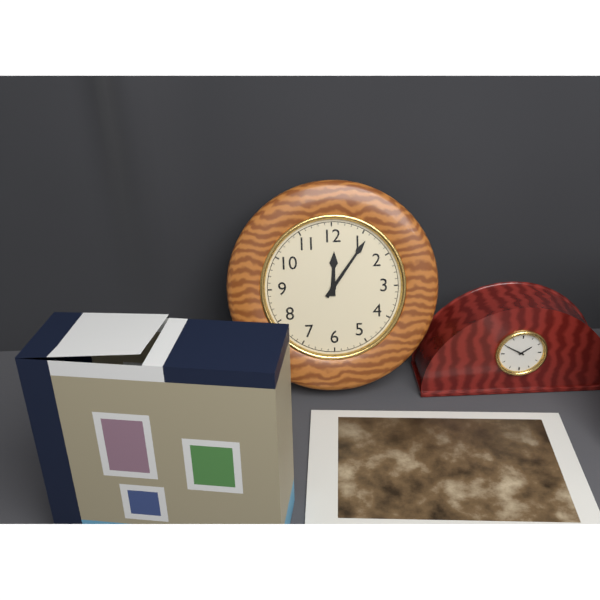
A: 12 h 06 min
